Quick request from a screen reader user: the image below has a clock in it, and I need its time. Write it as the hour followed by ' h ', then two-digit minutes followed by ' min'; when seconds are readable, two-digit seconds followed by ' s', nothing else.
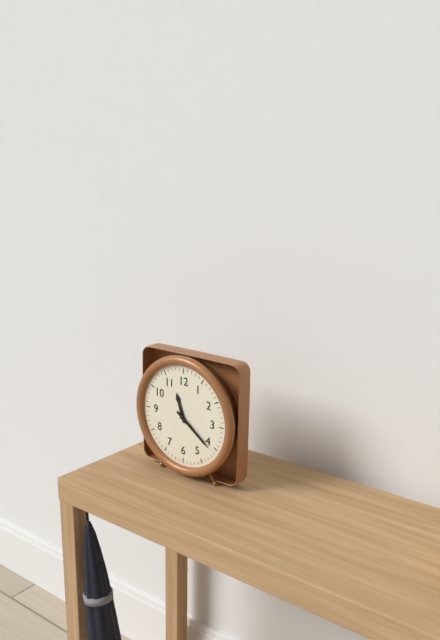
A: 11 h 21 min
